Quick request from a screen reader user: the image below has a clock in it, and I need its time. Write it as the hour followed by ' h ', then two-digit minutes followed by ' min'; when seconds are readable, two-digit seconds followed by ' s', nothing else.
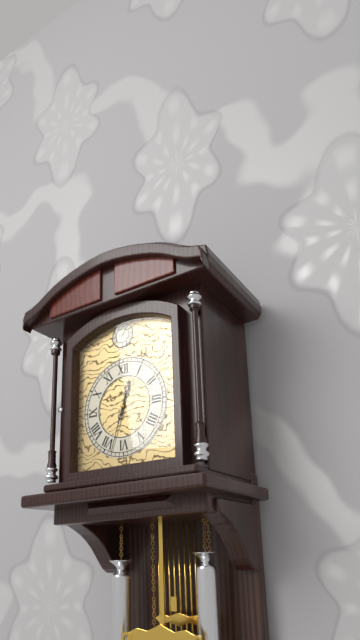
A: 12 h 33 min
